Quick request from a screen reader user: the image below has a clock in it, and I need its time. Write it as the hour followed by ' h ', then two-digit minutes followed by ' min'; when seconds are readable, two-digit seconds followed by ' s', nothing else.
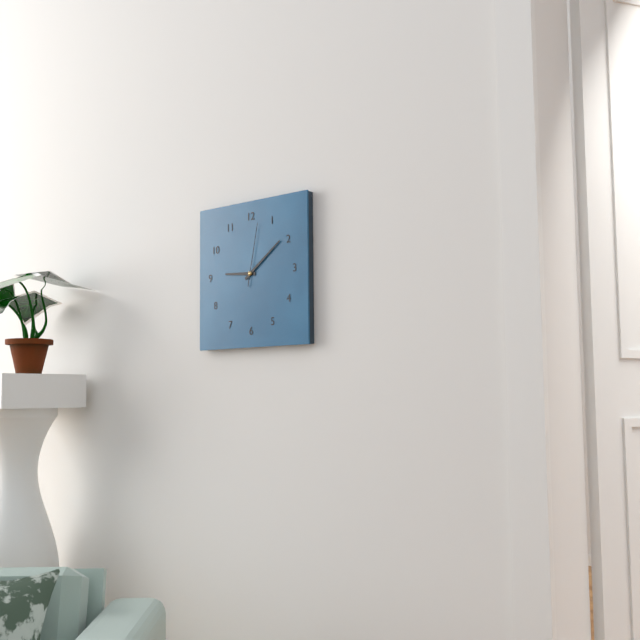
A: 9 h 09 min 02 s
